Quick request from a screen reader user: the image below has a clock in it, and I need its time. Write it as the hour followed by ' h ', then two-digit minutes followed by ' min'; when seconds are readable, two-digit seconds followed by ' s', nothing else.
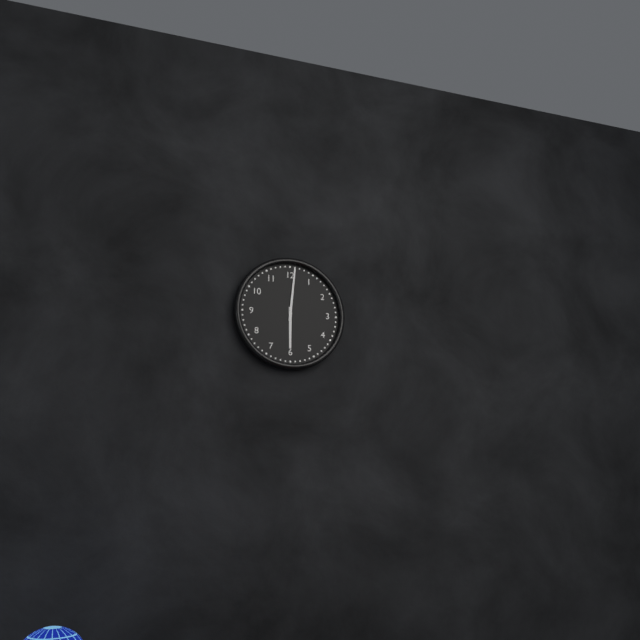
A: 6 h 01 min
